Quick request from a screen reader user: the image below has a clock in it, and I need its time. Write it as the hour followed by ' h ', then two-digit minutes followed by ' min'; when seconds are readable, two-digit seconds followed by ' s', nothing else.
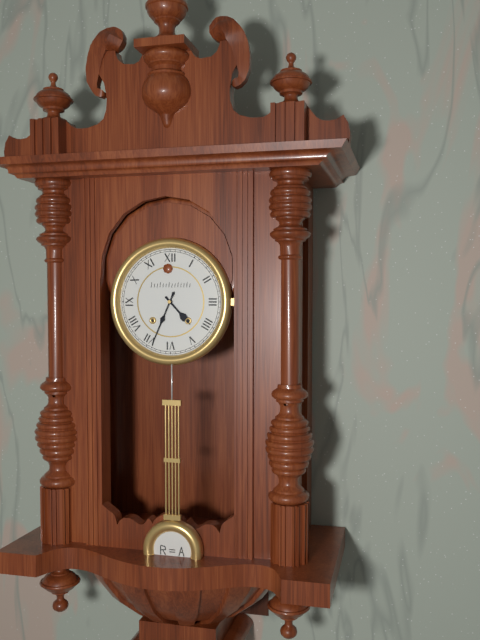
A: 4 h 34 min
